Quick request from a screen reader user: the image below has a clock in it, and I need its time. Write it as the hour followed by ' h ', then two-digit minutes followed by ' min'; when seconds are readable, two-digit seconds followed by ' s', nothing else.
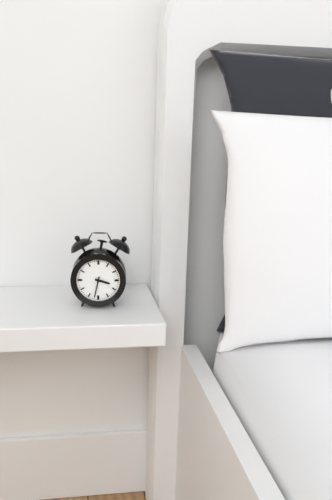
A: 3 h 32 min
